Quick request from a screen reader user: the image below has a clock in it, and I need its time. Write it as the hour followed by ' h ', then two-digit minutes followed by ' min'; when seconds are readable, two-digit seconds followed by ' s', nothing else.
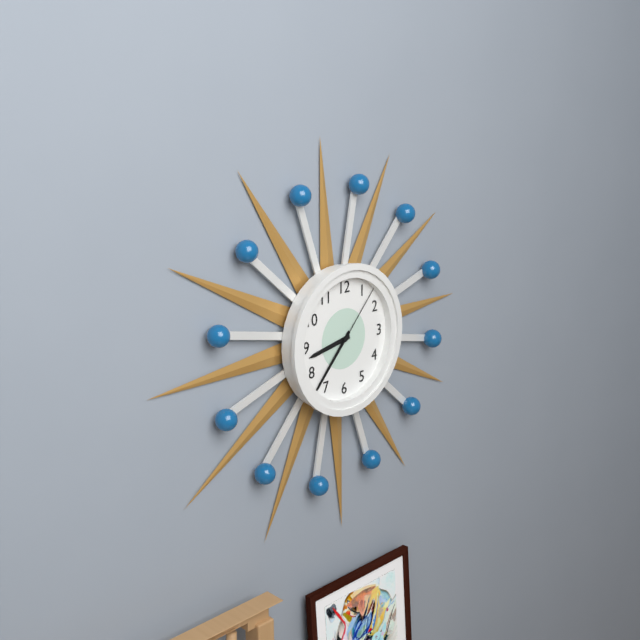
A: 8 h 37 min 07 s
